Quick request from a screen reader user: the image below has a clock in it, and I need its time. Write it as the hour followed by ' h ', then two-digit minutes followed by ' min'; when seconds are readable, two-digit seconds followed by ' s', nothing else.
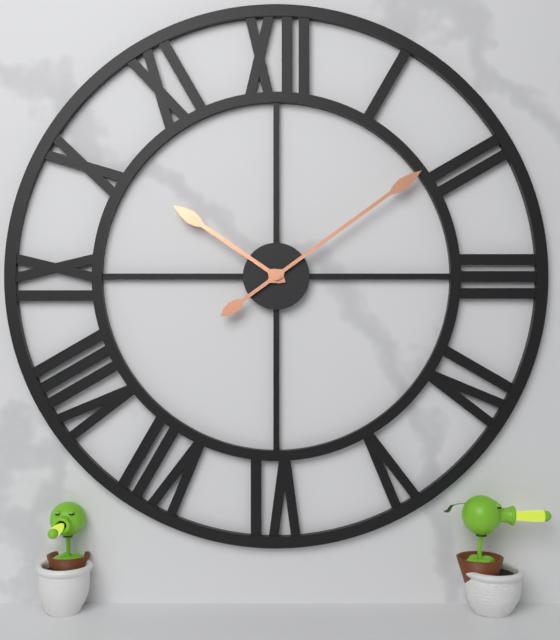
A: 10 h 09 min
